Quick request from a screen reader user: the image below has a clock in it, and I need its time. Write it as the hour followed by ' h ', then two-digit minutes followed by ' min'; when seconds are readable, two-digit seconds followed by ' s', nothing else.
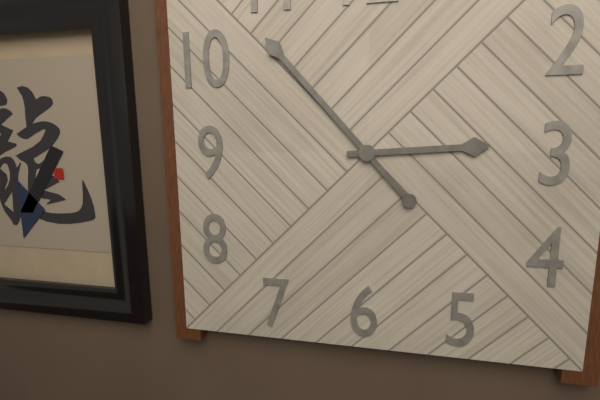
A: 2 h 53 min
